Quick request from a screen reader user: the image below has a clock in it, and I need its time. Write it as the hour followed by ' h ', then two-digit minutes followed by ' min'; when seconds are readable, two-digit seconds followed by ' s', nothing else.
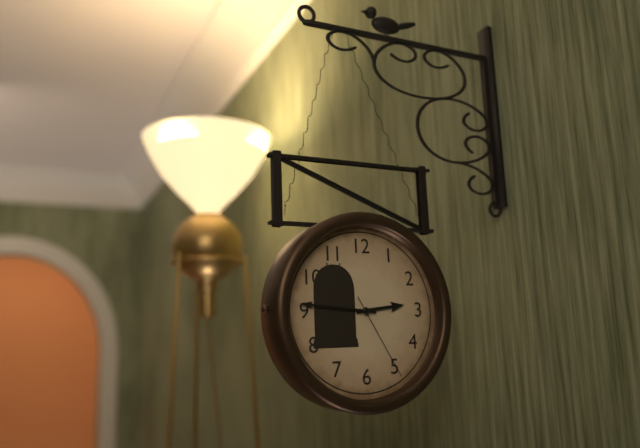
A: 2 h 46 min 25 s
